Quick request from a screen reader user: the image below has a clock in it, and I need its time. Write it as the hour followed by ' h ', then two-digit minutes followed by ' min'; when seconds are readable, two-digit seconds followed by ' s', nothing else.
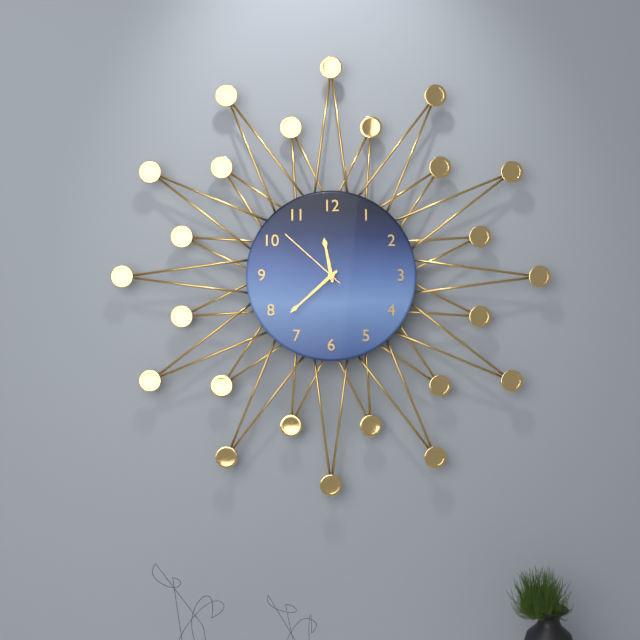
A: 11 h 38 min 52 s
